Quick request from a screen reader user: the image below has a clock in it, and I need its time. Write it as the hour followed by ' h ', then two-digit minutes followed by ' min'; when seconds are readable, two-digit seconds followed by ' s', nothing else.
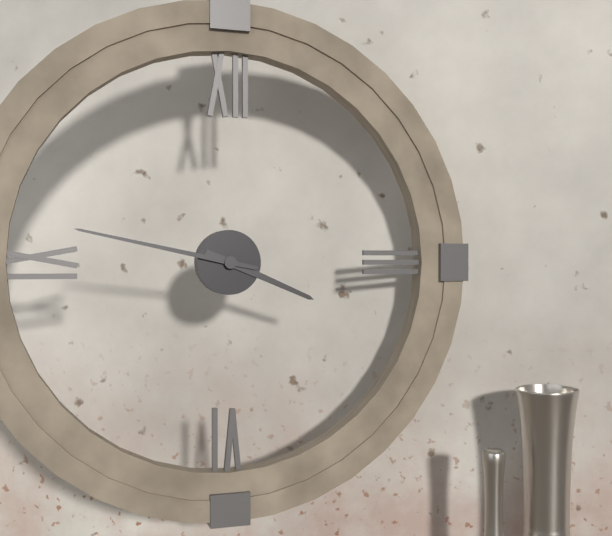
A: 3 h 47 min
